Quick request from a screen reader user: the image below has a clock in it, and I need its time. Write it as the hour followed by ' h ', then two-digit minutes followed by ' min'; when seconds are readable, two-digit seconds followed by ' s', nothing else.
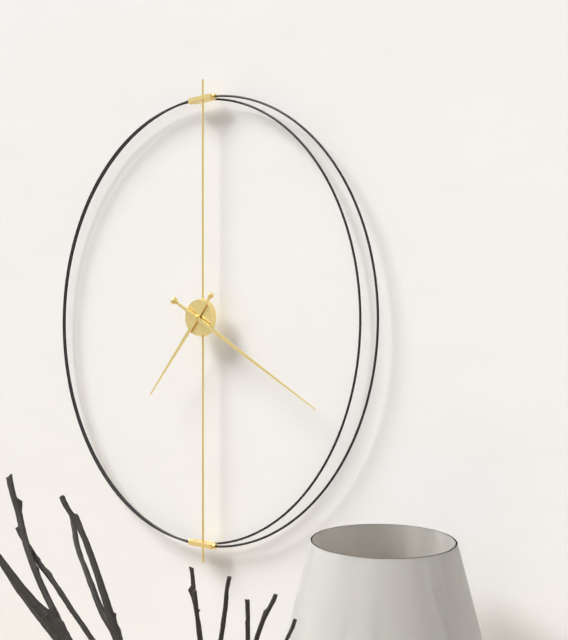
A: 7 h 20 min
